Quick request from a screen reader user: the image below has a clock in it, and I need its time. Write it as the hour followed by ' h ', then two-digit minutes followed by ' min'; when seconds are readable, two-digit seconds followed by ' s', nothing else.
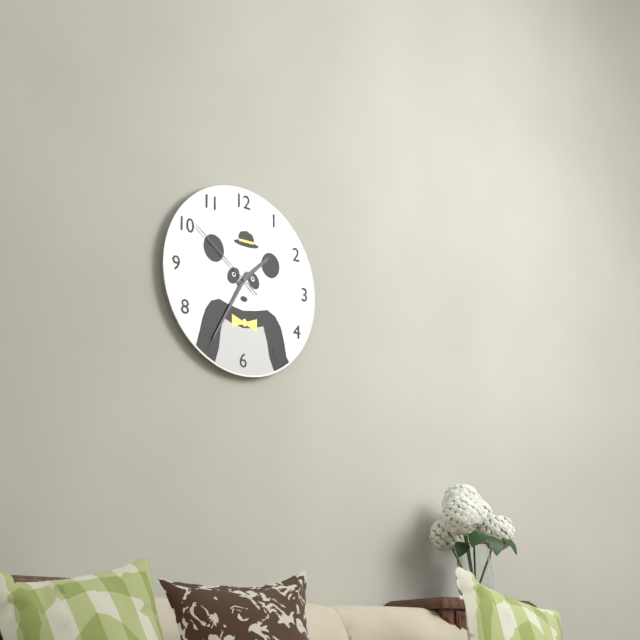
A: 1 h 35 min 51 s
